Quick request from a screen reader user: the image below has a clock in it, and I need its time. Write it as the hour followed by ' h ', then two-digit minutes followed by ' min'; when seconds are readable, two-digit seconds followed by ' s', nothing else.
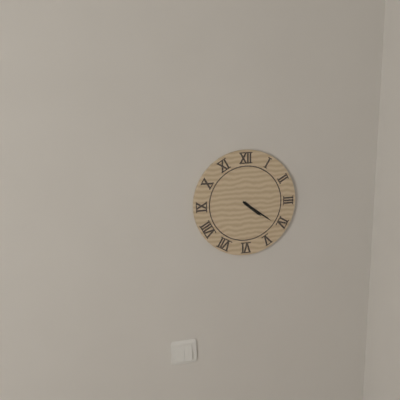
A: 4 h 21 min
